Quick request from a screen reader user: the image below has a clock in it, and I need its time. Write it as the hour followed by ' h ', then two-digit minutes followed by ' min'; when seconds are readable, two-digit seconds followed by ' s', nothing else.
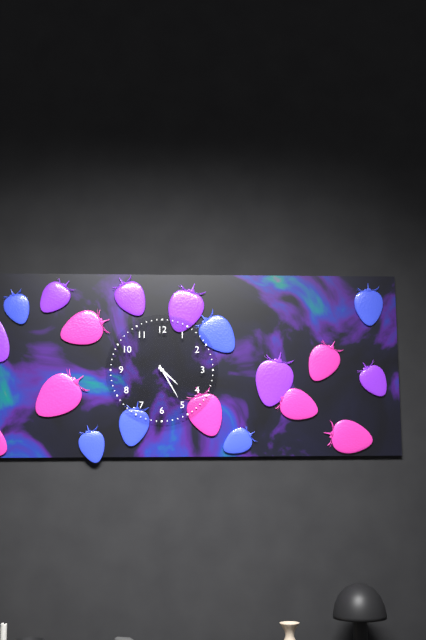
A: 4 h 25 min
